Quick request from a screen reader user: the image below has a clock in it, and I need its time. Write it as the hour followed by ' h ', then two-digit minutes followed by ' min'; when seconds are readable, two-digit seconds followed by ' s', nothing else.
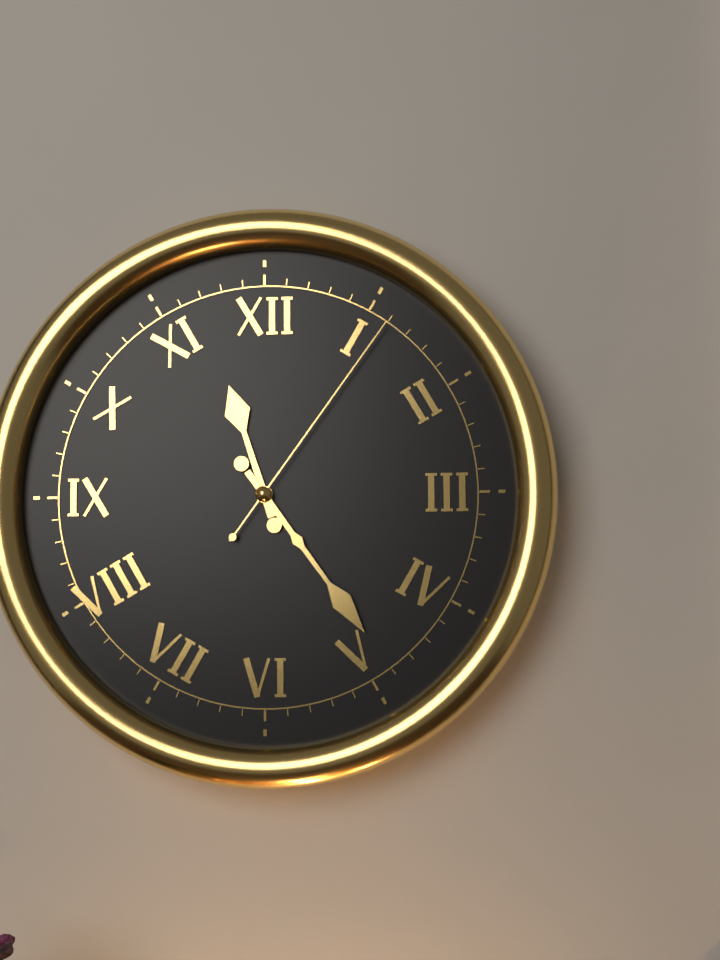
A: 11 h 24 min 06 s
